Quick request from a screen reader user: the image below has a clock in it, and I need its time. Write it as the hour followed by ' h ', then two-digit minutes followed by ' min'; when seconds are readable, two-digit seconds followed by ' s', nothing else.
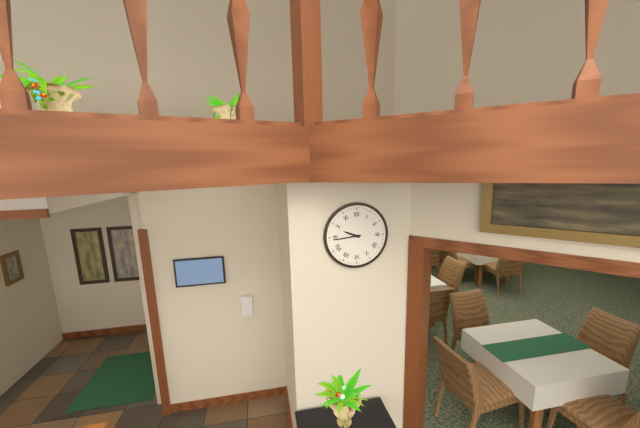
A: 9 h 44 min
